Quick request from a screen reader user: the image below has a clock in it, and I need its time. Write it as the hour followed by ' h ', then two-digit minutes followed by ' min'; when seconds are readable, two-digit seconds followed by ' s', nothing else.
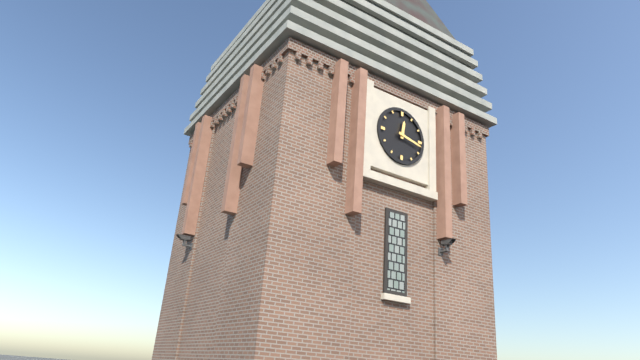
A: 12 h 17 min
